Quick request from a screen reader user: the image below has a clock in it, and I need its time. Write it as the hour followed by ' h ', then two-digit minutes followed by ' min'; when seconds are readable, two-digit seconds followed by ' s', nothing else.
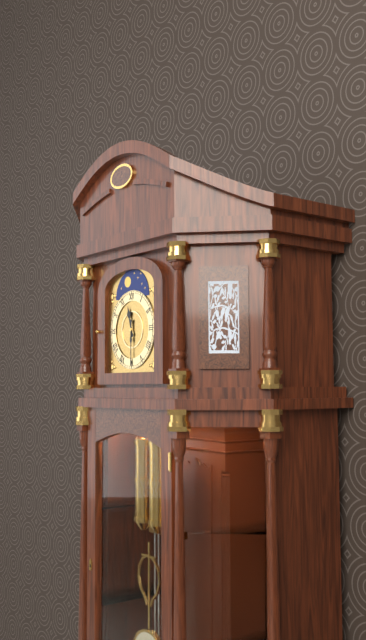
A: 11 h 30 min
